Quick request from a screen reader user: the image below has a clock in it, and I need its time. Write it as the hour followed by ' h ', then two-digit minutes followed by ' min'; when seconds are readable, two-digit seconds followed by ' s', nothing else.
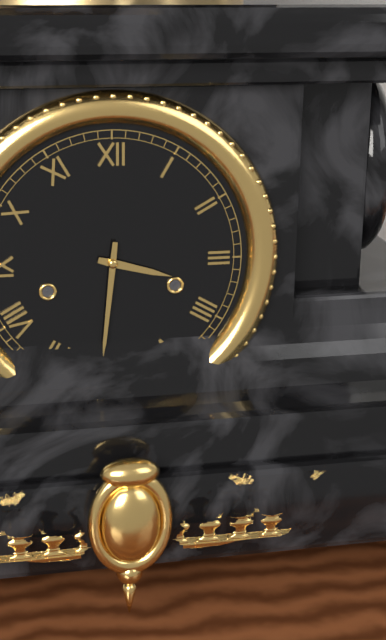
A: 3 h 31 min
